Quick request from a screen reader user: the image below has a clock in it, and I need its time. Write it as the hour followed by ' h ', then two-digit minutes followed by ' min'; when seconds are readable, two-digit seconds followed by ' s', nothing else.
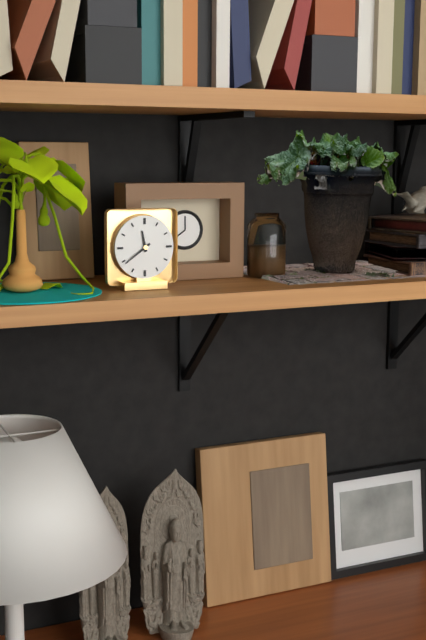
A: 11 h 39 min
